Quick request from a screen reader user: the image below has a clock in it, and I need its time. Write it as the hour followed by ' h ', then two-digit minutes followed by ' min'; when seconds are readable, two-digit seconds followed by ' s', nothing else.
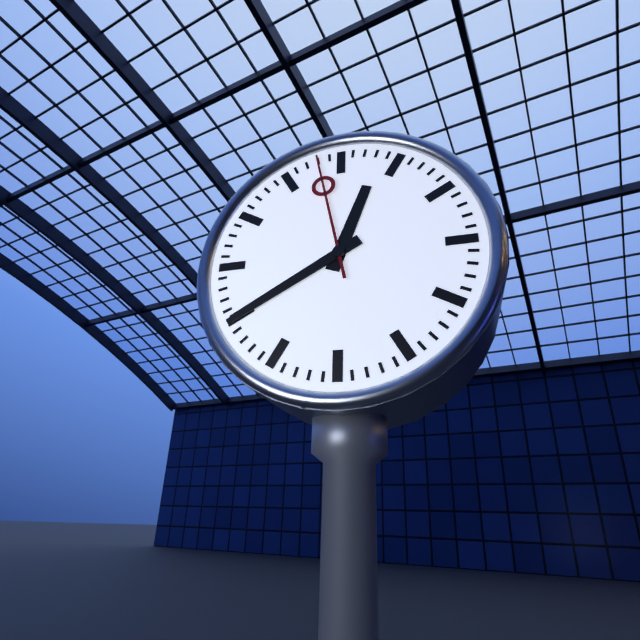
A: 12 h 40 min 58 s
